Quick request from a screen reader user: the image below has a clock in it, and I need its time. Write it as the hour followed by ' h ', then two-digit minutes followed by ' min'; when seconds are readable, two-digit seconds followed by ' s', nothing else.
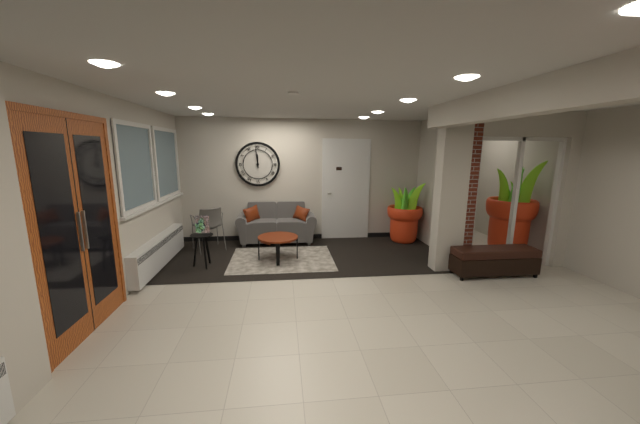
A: 11 h 59 min
